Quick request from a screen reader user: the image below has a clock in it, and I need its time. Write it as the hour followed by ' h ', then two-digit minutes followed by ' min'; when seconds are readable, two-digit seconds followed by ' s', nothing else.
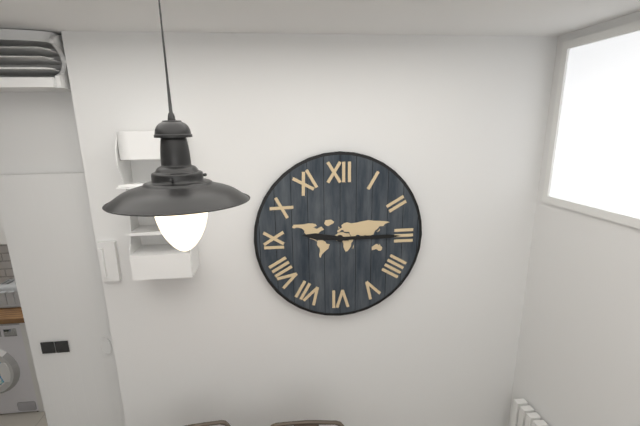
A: 9 h 15 min
